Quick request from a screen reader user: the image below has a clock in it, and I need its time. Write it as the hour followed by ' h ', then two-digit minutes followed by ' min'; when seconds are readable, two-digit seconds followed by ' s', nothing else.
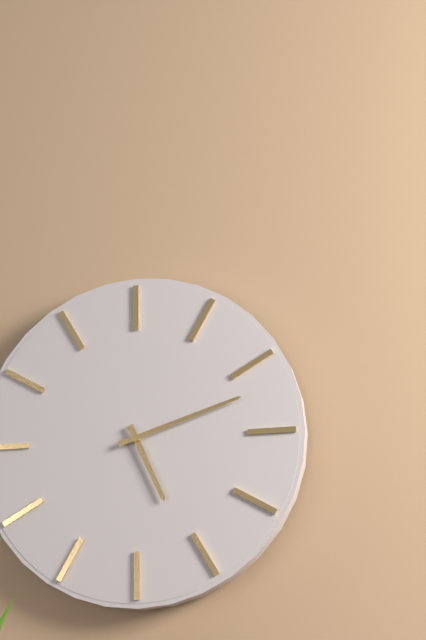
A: 5 h 12 min
